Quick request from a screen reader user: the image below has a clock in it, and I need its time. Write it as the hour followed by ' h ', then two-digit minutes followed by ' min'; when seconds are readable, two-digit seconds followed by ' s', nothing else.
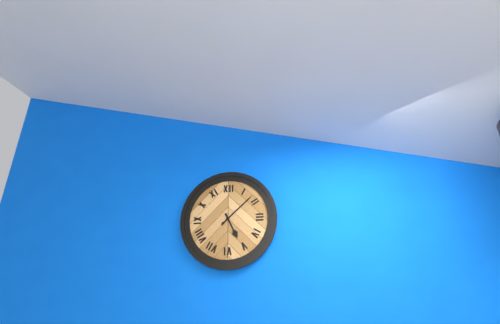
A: 5 h 08 min
